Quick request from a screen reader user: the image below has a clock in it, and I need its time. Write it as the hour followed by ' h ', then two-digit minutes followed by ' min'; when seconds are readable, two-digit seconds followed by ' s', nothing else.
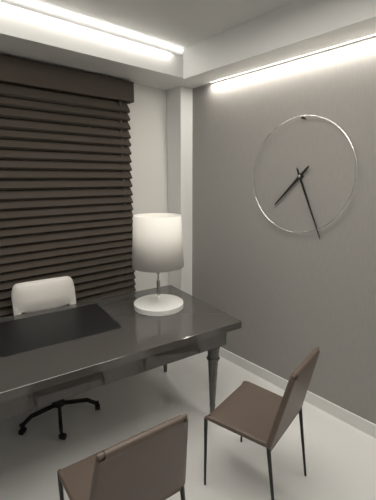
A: 7 h 26 min
